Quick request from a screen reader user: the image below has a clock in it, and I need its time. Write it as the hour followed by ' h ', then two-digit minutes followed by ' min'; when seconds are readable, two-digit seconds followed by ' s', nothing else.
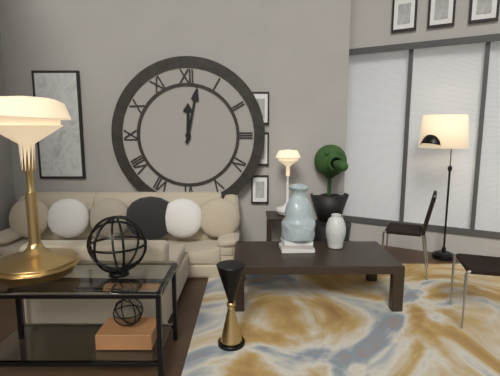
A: 12 h 02 min
